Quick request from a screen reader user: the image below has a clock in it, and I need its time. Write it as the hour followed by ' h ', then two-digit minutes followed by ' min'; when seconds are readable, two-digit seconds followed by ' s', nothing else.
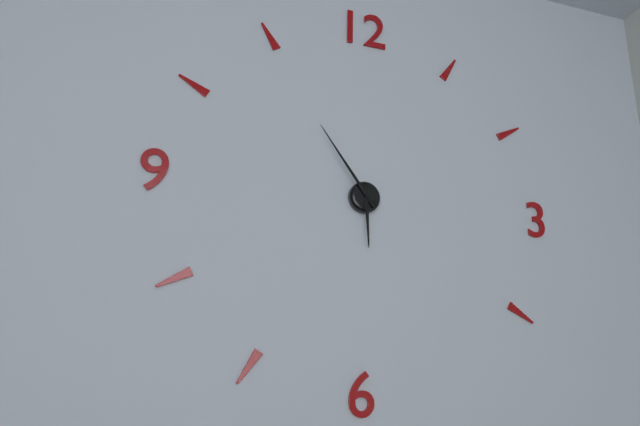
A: 5 h 54 min
